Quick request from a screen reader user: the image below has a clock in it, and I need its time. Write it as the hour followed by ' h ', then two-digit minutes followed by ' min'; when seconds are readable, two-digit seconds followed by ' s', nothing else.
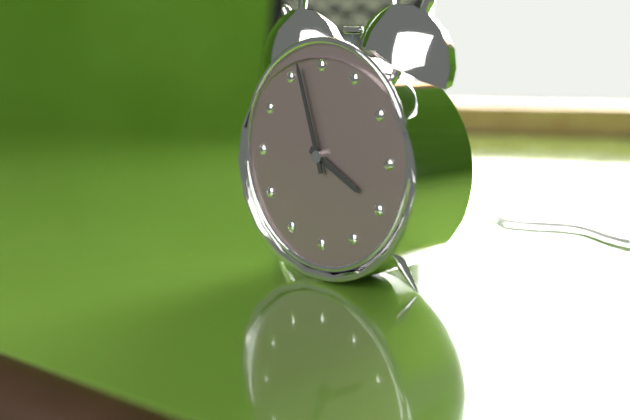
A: 3 h 57 min
